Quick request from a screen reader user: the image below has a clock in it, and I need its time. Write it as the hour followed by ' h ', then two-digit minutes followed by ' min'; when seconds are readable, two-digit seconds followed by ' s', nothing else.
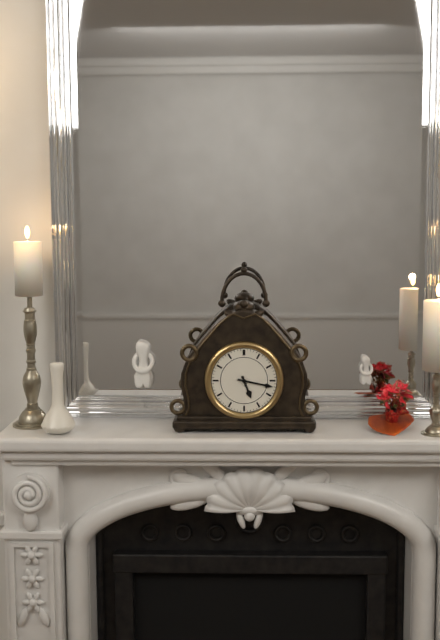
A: 5 h 17 min
